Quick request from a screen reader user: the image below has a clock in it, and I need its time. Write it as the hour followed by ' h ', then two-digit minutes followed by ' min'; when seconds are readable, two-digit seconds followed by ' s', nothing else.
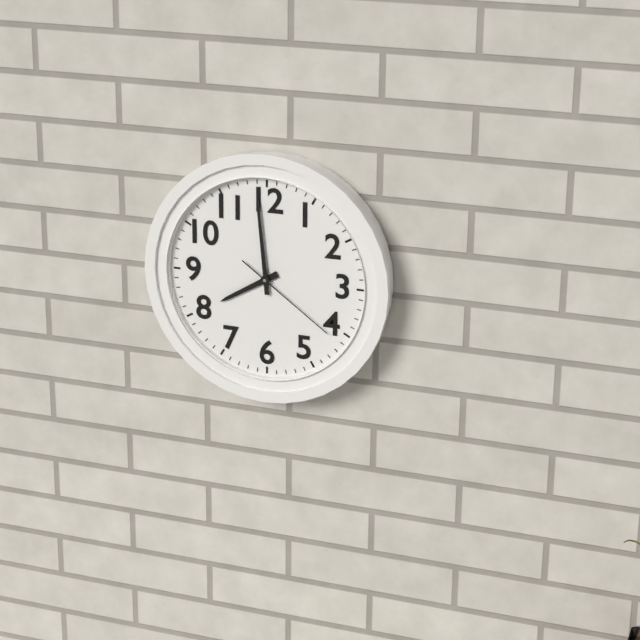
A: 7 h 59 min 21 s
